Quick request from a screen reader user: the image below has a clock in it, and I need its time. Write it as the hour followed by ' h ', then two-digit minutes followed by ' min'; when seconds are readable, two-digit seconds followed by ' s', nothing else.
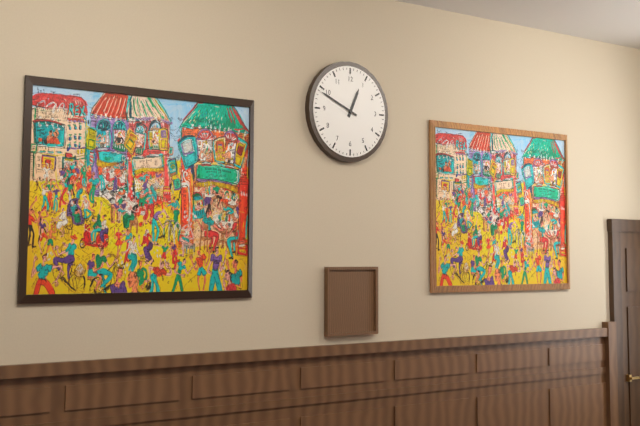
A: 12 h 49 min
